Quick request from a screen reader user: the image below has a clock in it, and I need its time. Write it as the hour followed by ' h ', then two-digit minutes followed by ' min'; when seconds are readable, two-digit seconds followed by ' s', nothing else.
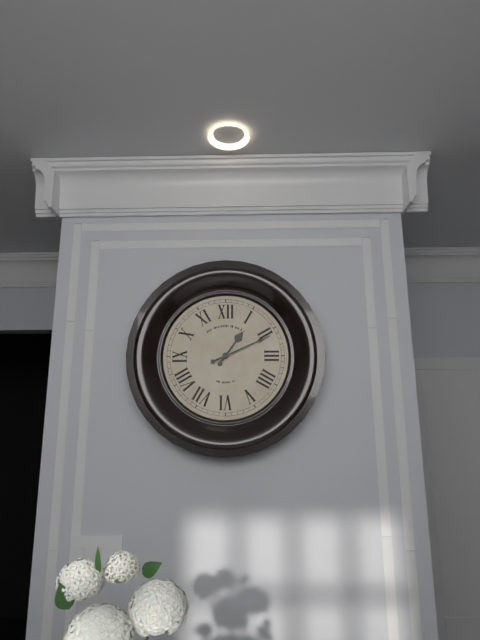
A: 1 h 11 min
